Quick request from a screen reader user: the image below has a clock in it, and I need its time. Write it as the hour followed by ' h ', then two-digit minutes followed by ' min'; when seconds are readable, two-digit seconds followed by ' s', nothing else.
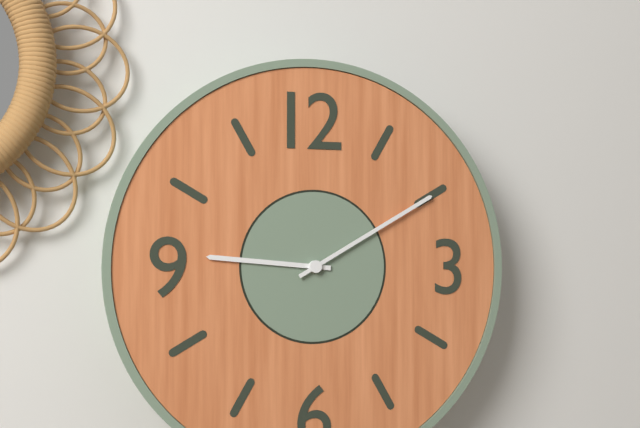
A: 9 h 10 min
